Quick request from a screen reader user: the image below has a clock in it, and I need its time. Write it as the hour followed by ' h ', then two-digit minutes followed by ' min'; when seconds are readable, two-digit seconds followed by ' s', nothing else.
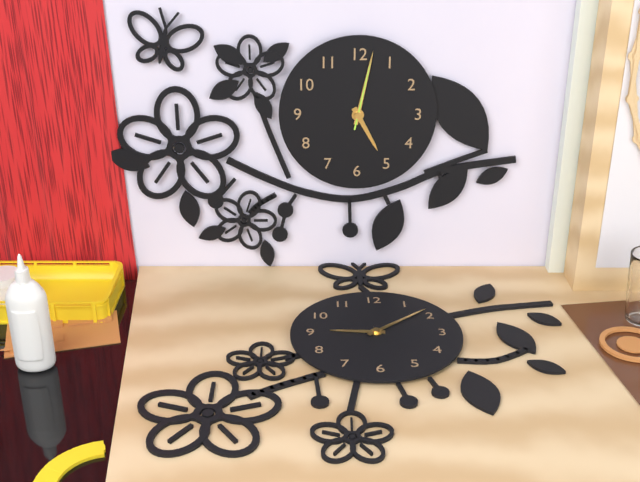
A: 5 h 02 min 02 s
